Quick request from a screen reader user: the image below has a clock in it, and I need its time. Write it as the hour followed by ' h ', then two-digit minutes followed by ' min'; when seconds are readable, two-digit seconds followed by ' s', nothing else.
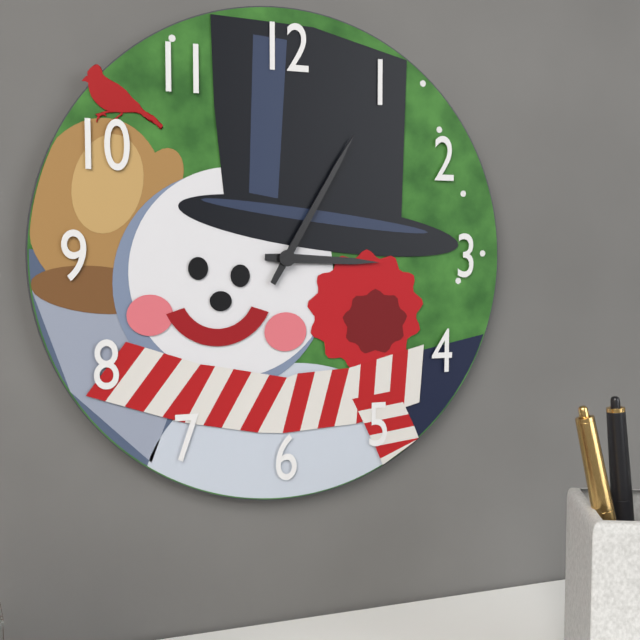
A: 3 h 05 min
